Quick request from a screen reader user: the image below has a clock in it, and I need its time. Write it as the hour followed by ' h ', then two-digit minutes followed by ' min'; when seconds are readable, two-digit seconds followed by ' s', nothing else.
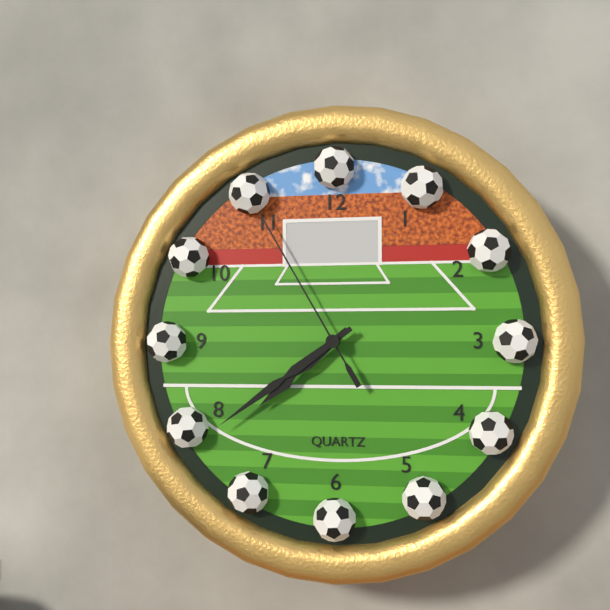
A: 7 h 39 min 55 s
